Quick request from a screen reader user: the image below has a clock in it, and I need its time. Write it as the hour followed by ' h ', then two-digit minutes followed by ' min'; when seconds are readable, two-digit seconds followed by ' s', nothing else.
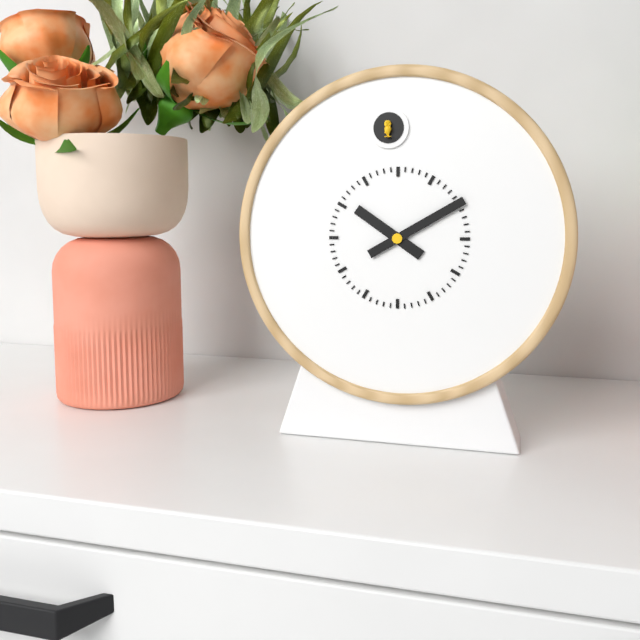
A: 10 h 10 min
